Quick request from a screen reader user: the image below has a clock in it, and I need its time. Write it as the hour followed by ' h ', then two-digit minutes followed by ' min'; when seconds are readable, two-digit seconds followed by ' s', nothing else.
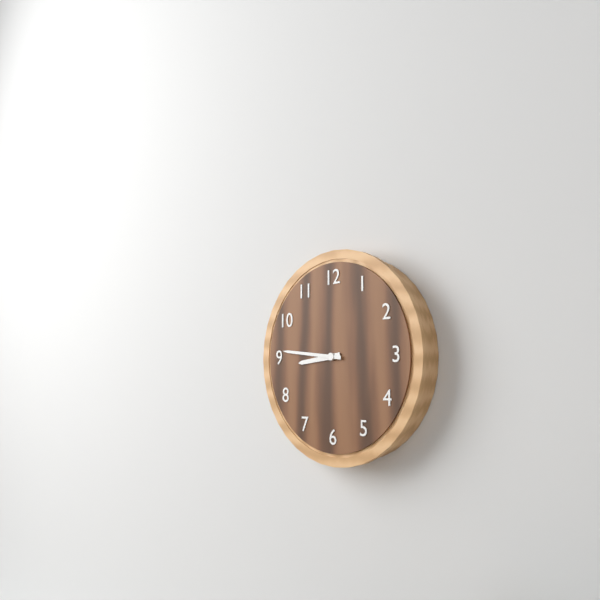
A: 8 h 46 min
